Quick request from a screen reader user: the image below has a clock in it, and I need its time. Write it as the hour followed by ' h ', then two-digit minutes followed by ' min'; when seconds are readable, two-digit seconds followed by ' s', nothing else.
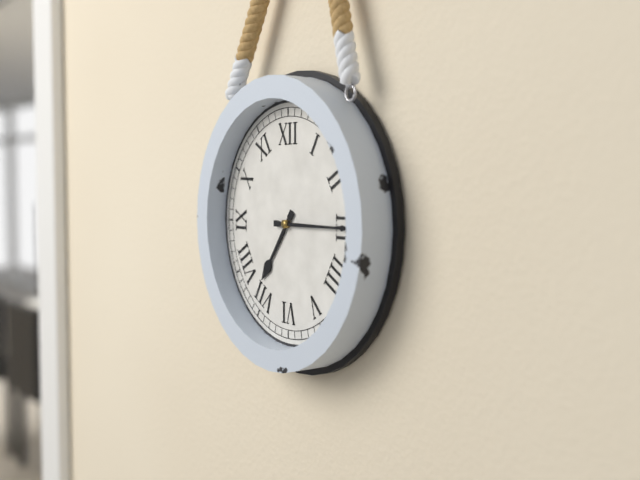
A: 7 h 15 min
